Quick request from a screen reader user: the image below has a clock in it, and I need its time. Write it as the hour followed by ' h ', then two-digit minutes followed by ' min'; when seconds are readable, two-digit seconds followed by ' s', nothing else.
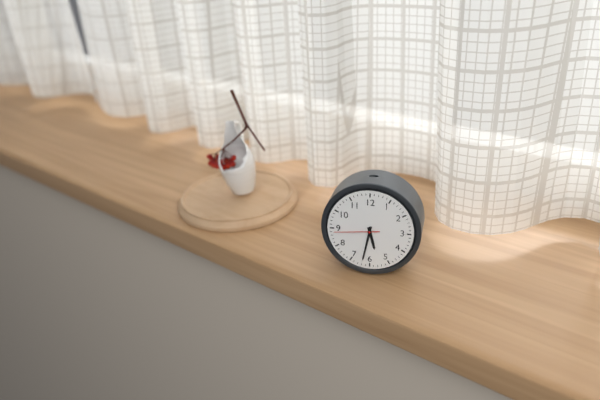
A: 5 h 32 min
